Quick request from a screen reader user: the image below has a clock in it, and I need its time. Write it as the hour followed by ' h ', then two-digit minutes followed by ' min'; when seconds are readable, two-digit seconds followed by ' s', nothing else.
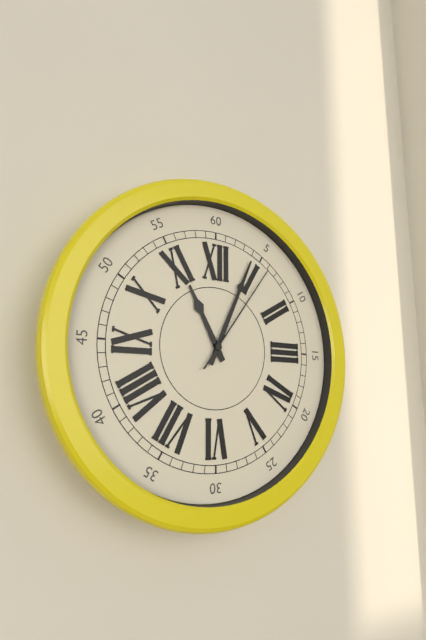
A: 11 h 04 min 06 s
